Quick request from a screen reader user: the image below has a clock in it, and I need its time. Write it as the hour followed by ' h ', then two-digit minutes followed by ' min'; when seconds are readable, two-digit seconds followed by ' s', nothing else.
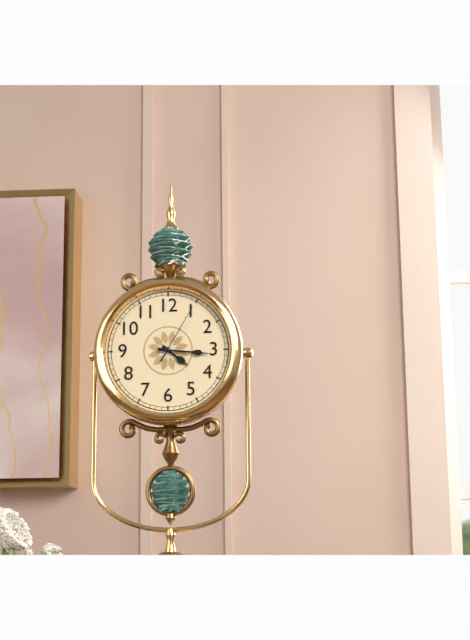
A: 4 h 16 min 05 s
